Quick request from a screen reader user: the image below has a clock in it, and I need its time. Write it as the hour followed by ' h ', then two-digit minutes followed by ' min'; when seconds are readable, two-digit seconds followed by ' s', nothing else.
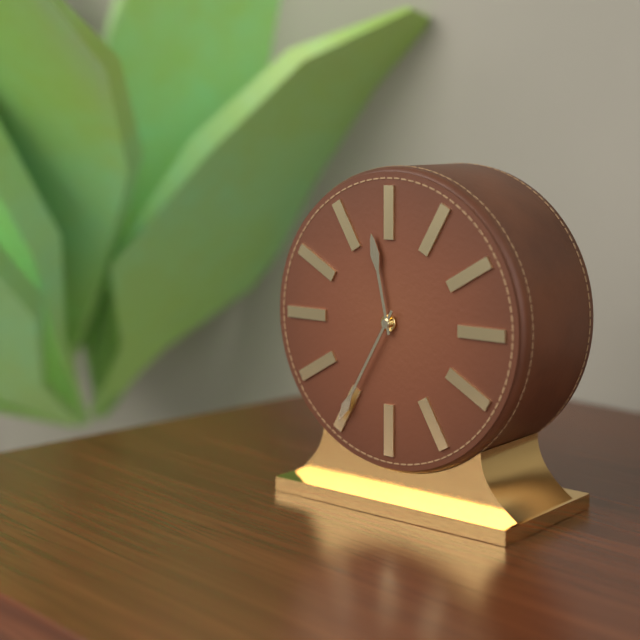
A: 11 h 35 min
